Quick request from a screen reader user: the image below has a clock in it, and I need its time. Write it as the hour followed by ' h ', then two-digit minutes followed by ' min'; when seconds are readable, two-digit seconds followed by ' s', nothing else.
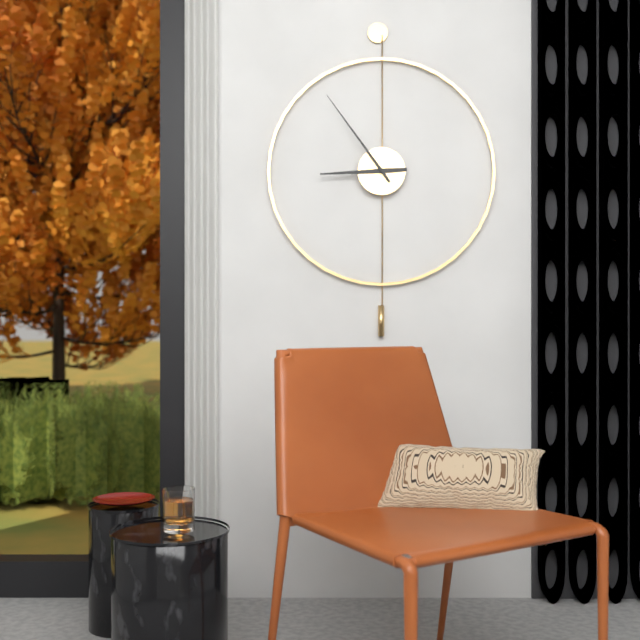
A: 8 h 54 min
